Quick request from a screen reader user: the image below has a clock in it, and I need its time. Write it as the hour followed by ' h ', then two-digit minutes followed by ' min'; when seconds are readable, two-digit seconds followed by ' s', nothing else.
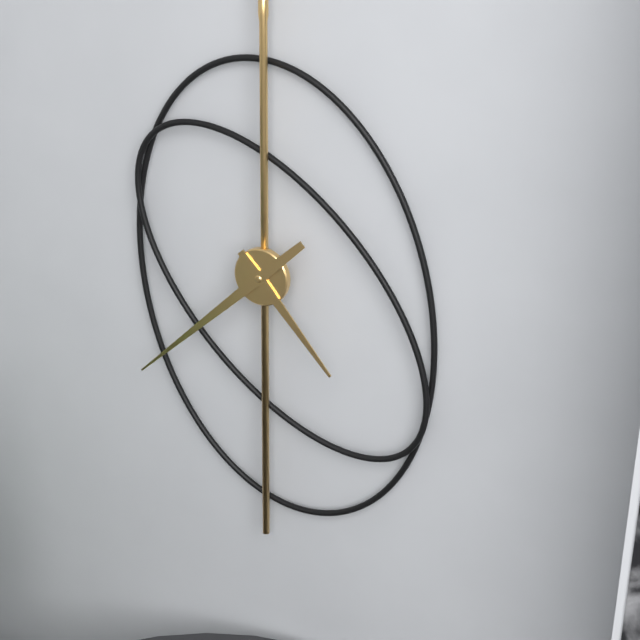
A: 4 h 38 min
